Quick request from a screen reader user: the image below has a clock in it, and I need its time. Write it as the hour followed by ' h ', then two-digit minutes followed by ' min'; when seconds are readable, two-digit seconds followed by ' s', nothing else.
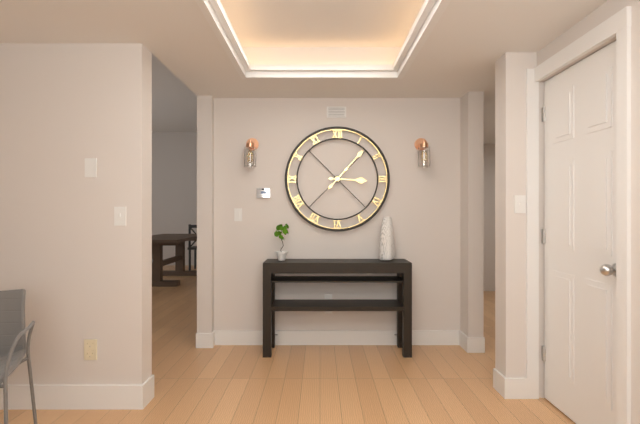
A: 3 h 07 min
